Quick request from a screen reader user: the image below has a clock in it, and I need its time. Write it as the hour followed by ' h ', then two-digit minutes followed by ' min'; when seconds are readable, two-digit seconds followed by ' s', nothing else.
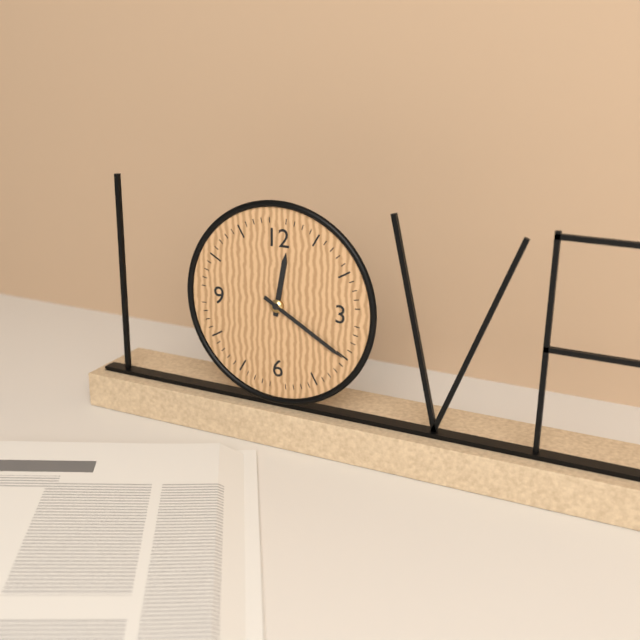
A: 12 h 20 min
